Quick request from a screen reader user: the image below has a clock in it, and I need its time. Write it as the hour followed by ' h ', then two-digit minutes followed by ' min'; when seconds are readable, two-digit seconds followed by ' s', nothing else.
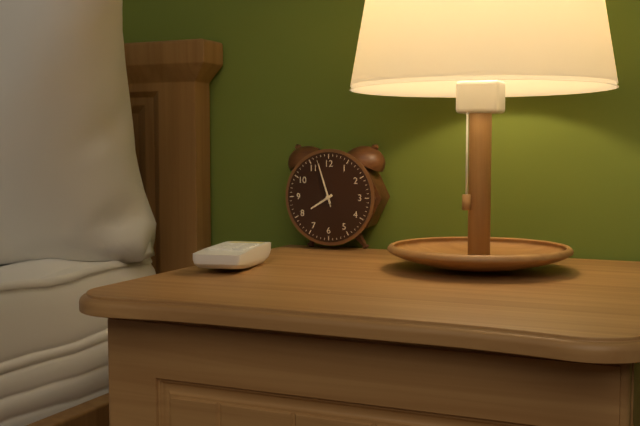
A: 7 h 57 min
